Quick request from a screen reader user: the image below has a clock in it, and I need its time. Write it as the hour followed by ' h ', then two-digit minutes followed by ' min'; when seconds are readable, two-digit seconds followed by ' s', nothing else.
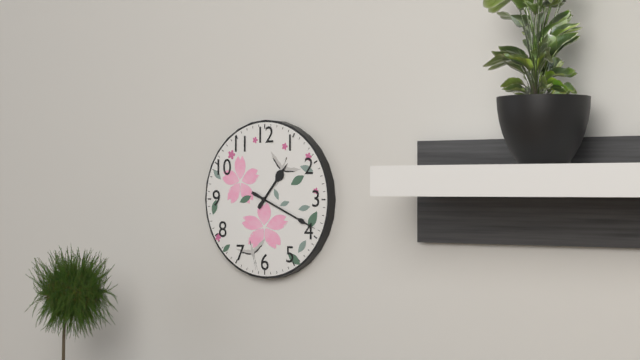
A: 1 h 19 min
